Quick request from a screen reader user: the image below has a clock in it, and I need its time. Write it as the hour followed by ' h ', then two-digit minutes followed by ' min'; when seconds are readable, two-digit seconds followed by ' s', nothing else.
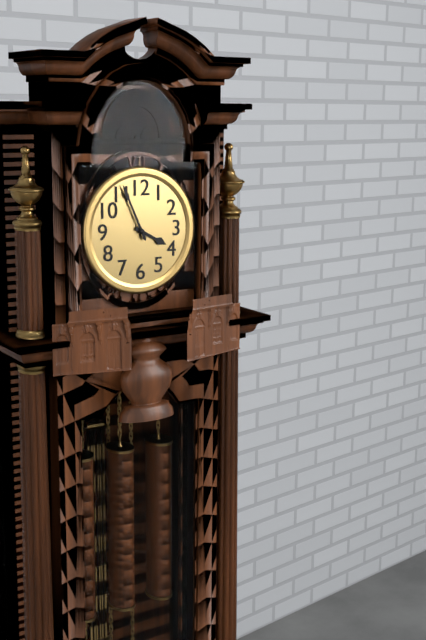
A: 3 h 56 min
